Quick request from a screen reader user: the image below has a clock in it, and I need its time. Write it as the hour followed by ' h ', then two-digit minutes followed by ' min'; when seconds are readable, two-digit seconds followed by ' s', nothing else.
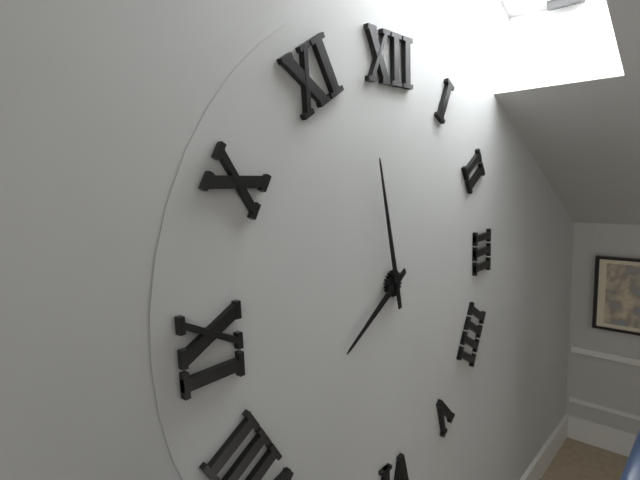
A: 7 h 58 min
